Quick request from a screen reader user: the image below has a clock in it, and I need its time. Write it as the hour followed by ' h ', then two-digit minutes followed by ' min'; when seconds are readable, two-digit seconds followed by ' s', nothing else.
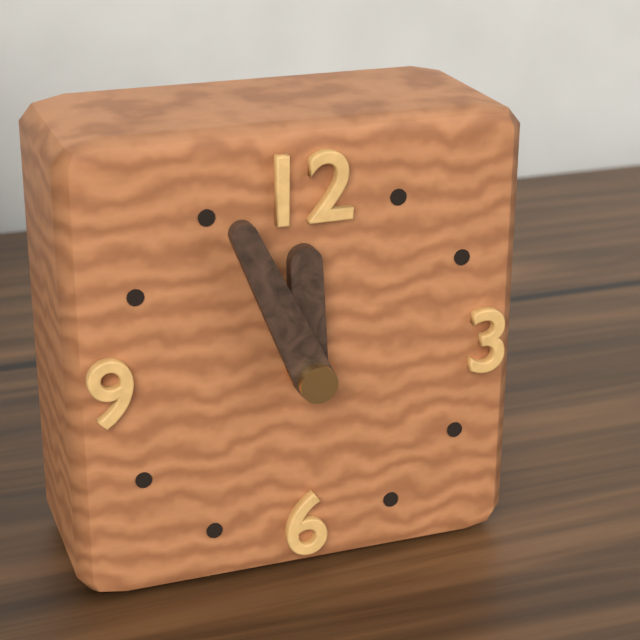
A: 11 h 56 min
